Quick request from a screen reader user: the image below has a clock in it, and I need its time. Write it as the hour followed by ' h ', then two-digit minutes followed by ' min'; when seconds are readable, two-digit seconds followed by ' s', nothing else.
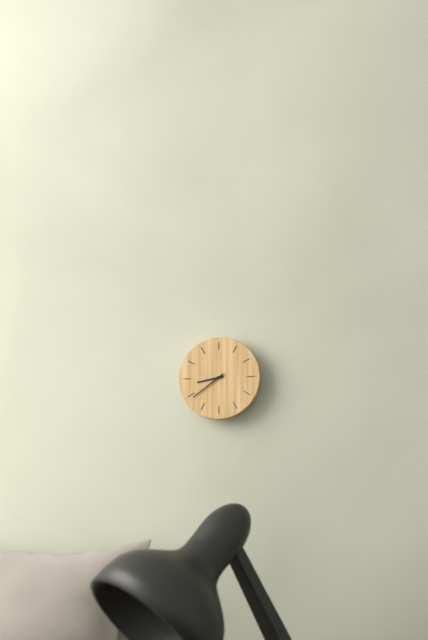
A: 8 h 39 min
